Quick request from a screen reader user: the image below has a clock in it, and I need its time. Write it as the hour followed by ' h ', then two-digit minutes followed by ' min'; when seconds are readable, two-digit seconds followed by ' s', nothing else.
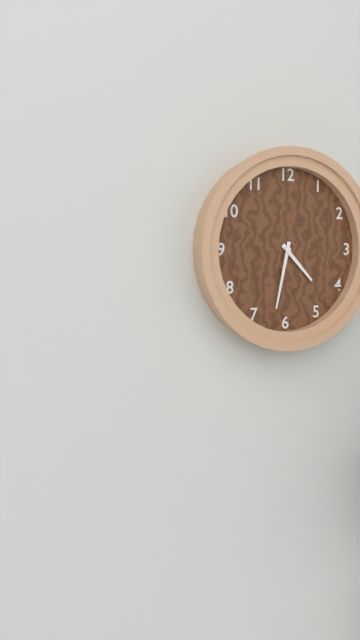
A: 4 h 32 min
